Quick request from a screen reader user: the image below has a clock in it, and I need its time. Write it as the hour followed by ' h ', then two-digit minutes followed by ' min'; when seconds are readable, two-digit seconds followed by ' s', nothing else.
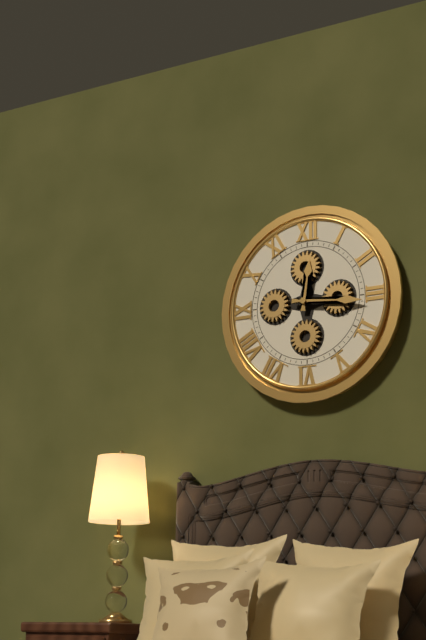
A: 12 h 16 min
